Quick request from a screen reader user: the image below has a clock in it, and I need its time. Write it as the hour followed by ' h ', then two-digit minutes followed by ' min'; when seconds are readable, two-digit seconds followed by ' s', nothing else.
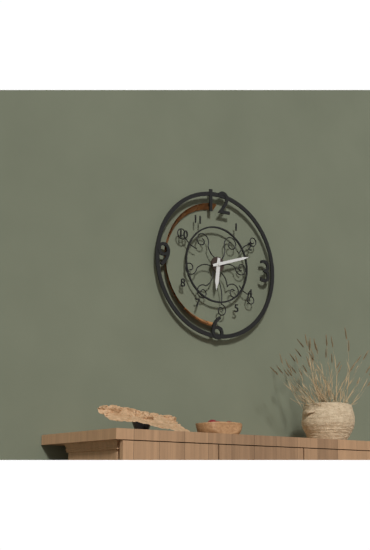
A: 6 h 12 min
